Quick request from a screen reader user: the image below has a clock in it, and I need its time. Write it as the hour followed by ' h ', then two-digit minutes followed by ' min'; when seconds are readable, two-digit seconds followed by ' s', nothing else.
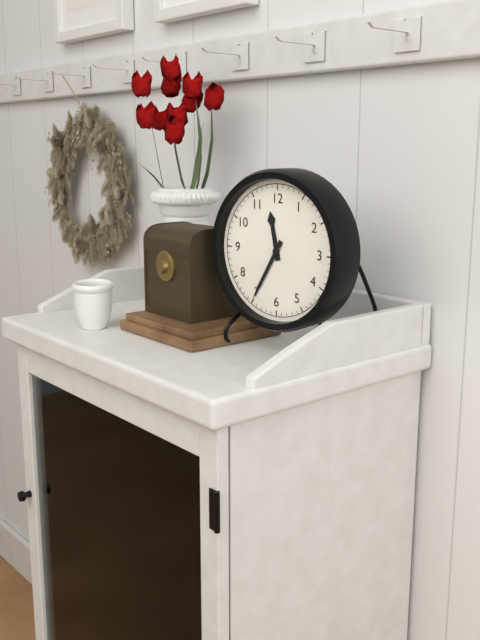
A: 11 h 35 min
